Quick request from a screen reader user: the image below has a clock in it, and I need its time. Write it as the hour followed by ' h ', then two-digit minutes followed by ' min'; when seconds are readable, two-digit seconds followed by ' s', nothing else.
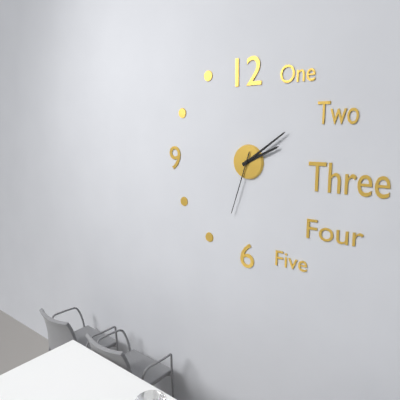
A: 2 h 09 min 33 s
